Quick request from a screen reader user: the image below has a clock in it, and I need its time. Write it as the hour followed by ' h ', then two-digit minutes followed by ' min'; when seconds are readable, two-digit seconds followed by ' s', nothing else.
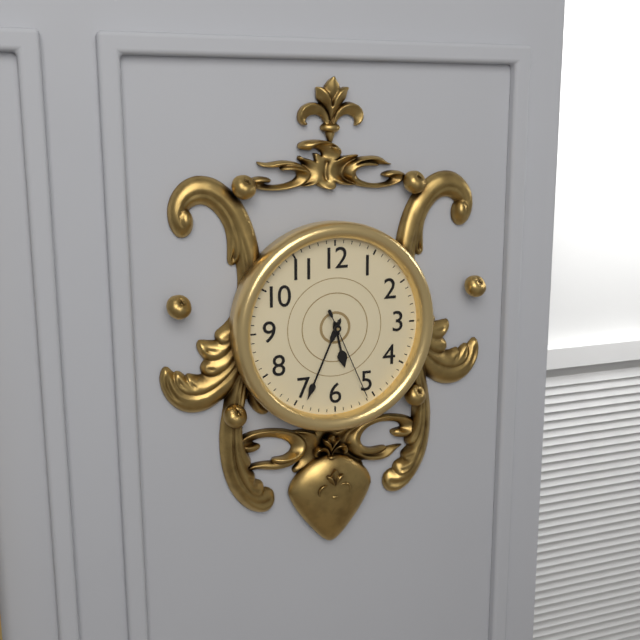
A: 5 h 34 min 26 s
